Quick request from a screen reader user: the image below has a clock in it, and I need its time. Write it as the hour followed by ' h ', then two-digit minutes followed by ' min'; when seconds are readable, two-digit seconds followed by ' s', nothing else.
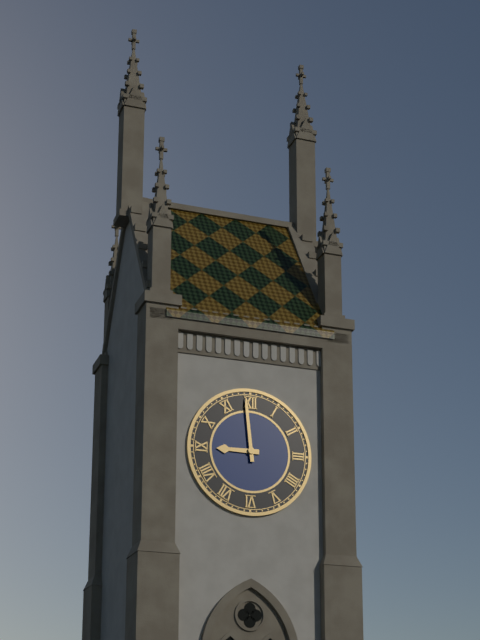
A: 8 h 59 min
